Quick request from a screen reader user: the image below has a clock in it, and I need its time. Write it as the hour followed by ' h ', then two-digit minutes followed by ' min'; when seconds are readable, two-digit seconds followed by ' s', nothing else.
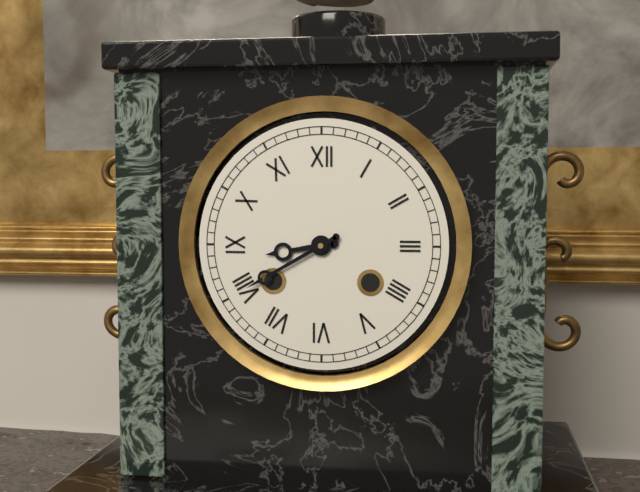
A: 8 h 40 min
